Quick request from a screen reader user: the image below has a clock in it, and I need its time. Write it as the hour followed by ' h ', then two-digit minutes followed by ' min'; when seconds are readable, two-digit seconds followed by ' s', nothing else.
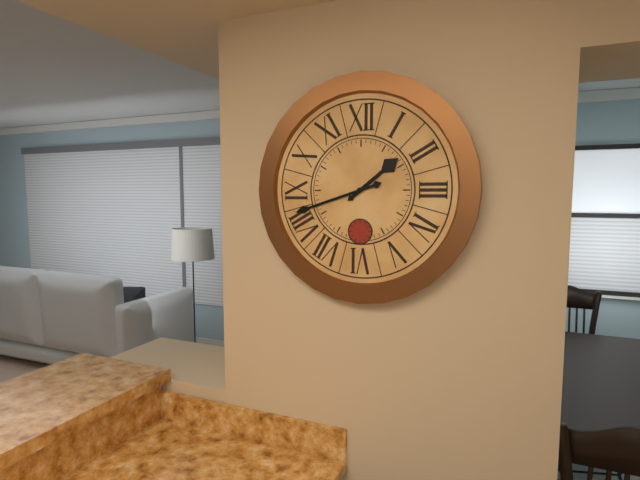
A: 1 h 42 min
